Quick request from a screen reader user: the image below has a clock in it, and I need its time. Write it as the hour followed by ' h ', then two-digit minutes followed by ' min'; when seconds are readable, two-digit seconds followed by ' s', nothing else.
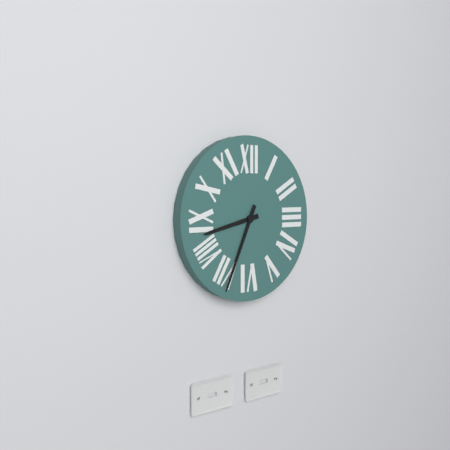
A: 8 h 34 min
